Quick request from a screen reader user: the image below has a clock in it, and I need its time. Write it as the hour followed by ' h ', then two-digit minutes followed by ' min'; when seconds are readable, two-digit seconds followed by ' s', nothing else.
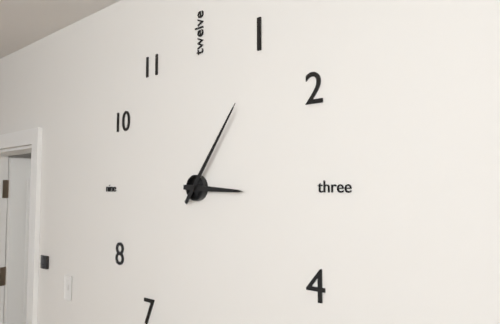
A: 3 h 06 min
